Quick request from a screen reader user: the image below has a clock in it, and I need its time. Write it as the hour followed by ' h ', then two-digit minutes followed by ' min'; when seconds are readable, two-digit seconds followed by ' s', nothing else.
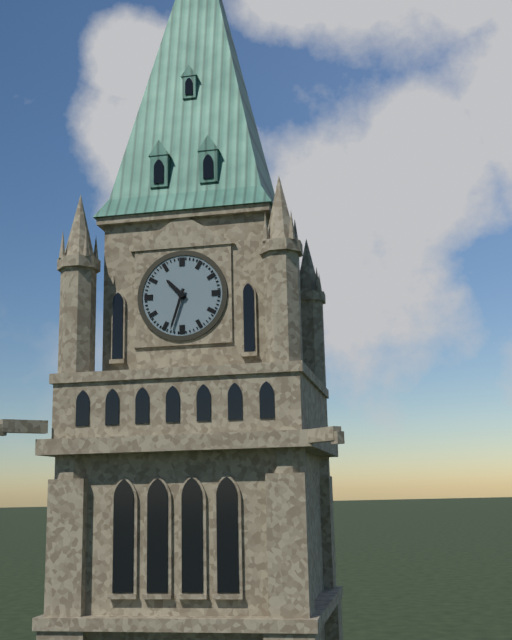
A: 10 h 33 min
